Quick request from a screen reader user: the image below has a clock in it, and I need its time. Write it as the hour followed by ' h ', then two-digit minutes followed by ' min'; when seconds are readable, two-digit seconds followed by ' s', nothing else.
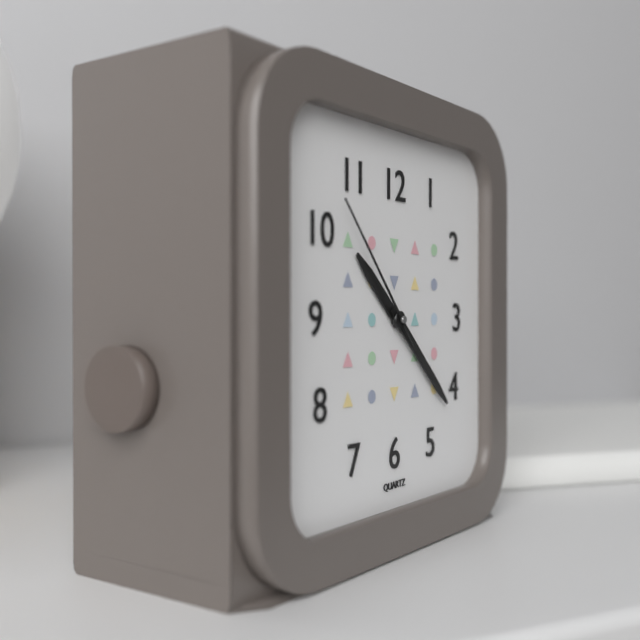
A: 10 h 22 min 53 s
